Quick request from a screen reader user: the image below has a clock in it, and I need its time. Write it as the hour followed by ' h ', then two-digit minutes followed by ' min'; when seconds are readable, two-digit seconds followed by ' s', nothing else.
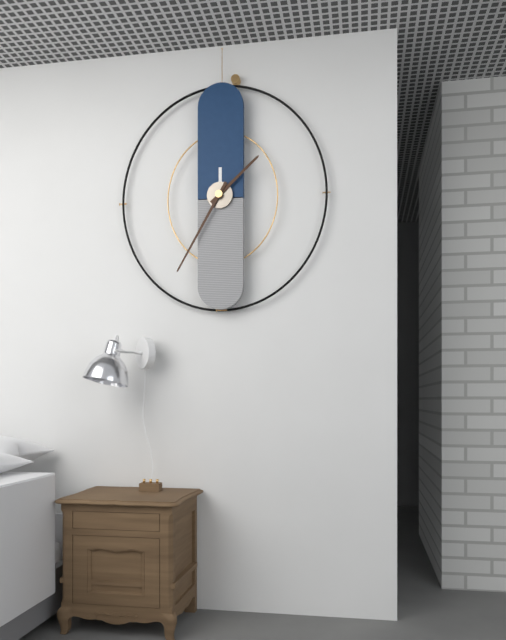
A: 1 h 35 min
